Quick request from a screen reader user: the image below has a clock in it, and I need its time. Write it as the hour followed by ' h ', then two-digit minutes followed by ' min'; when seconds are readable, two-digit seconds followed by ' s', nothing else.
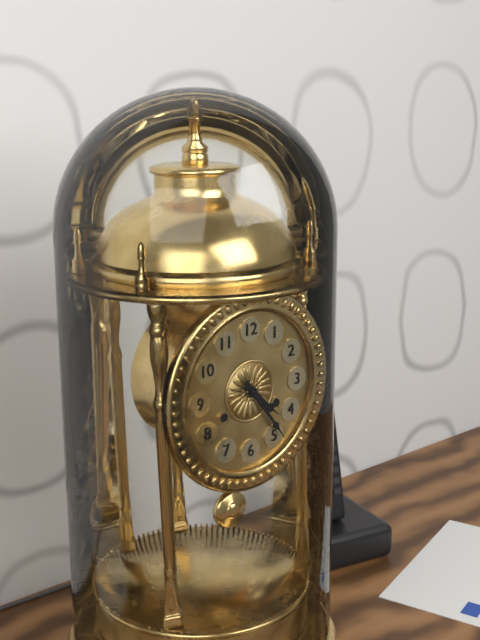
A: 4 h 24 min
